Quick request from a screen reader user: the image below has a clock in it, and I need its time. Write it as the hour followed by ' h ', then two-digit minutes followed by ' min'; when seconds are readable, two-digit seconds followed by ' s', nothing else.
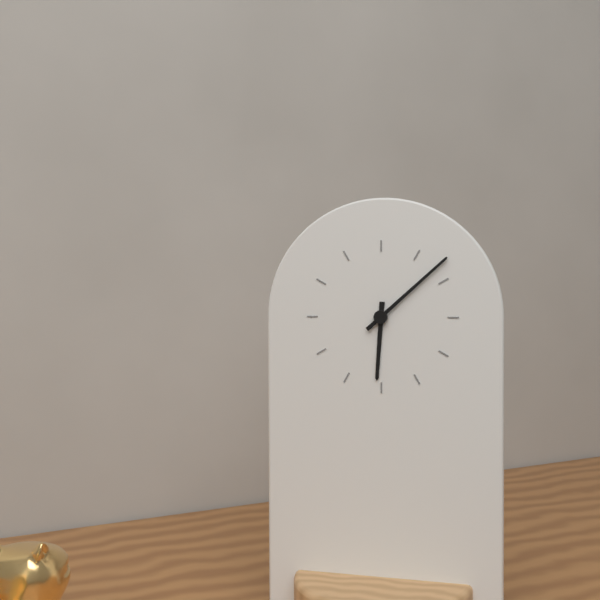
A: 6 h 08 min
